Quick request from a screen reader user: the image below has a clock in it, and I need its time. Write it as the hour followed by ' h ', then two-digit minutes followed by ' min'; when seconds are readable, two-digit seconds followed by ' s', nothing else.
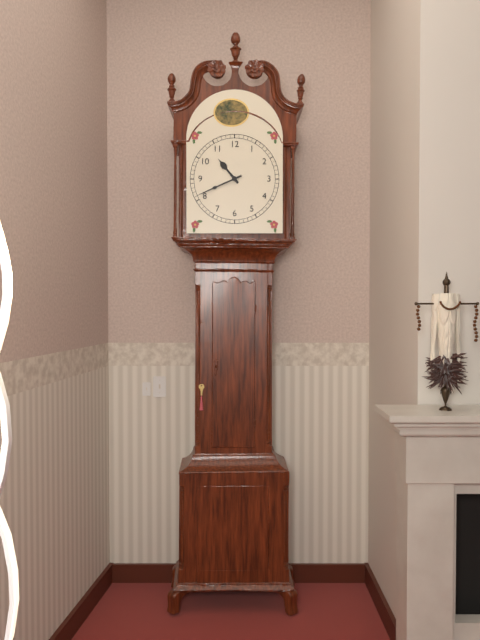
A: 10 h 41 min
